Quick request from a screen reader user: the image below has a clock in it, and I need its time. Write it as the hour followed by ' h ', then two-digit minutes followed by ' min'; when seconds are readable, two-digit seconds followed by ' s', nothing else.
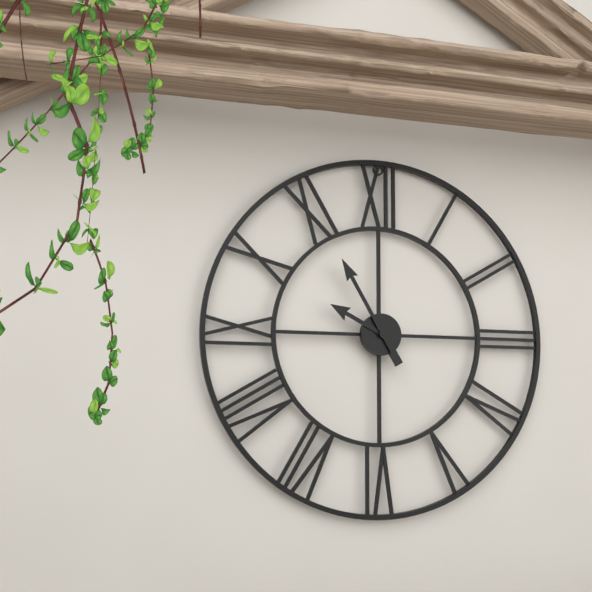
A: 9 h 55 min
